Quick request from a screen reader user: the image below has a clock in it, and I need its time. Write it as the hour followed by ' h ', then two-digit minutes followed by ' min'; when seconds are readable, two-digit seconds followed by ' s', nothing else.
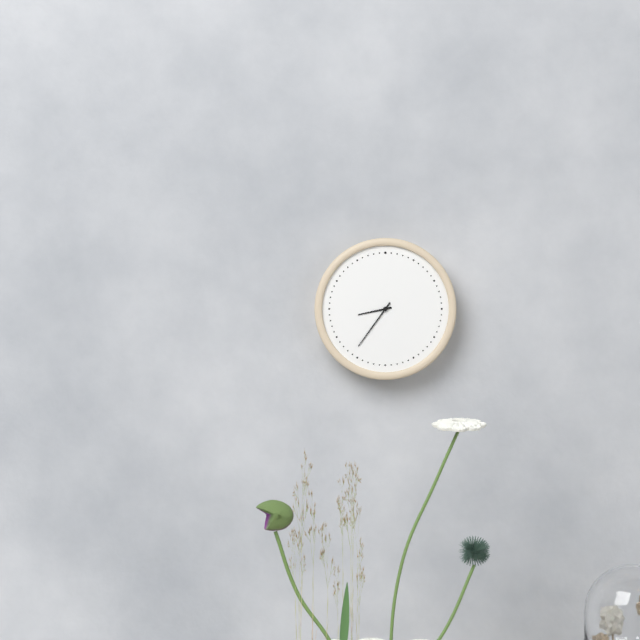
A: 8 h 36 min
